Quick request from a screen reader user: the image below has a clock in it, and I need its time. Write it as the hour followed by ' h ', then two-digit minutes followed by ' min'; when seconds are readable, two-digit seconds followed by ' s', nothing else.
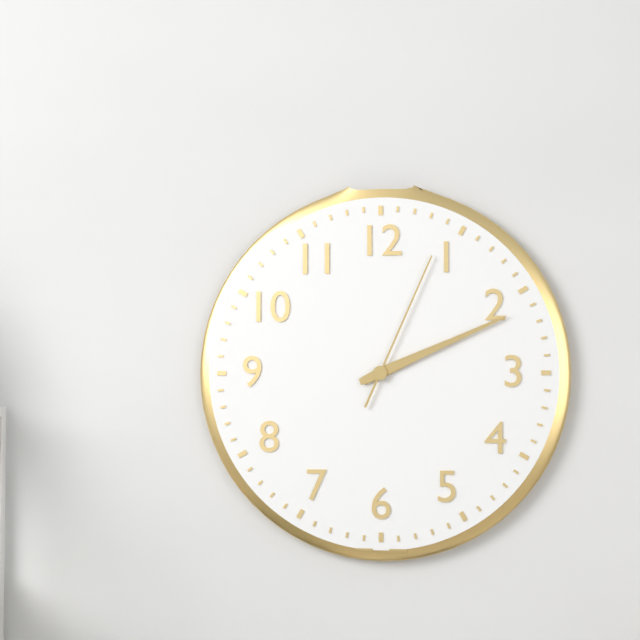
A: 2 h 11 min 04 s
